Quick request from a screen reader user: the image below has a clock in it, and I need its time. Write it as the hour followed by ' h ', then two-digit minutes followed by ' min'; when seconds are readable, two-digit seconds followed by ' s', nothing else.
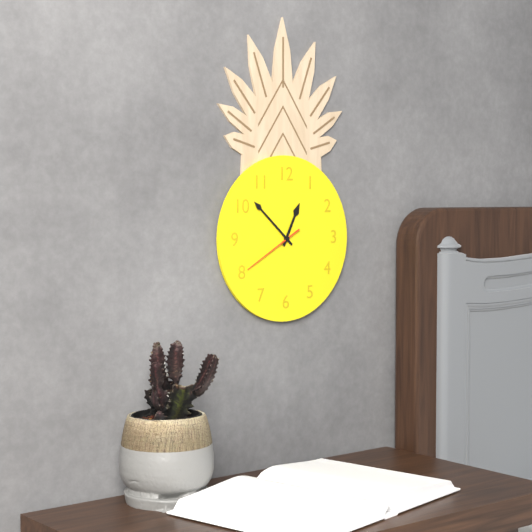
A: 12 h 52 min 40 s
